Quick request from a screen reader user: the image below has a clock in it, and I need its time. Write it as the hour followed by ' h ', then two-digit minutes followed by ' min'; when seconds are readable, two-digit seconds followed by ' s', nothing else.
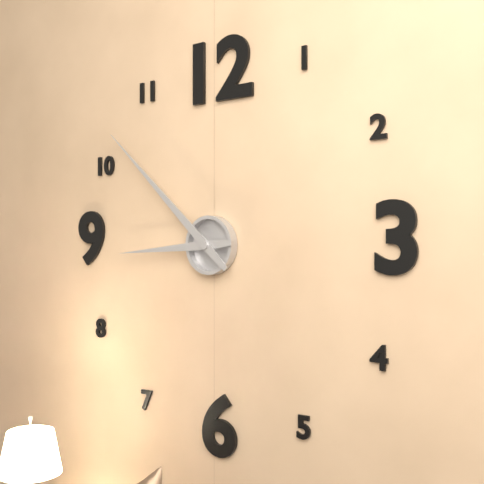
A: 8 h 52 min
